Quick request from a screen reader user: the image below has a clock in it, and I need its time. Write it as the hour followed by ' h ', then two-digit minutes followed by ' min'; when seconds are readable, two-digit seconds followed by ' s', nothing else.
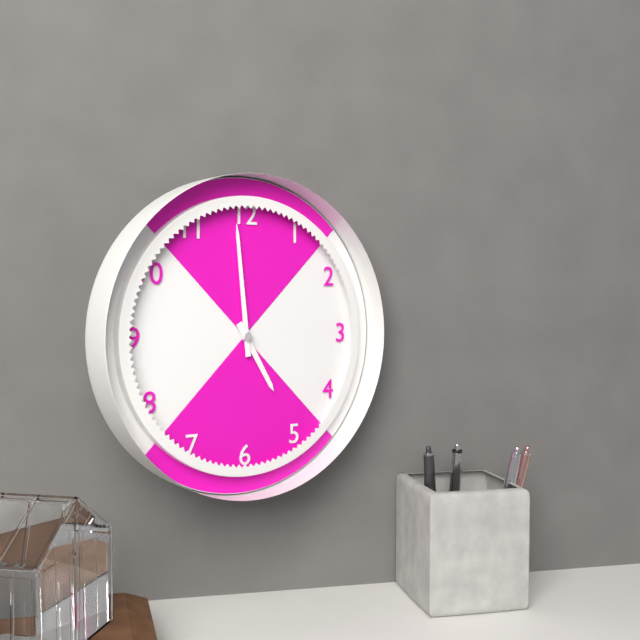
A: 4 h 59 min
